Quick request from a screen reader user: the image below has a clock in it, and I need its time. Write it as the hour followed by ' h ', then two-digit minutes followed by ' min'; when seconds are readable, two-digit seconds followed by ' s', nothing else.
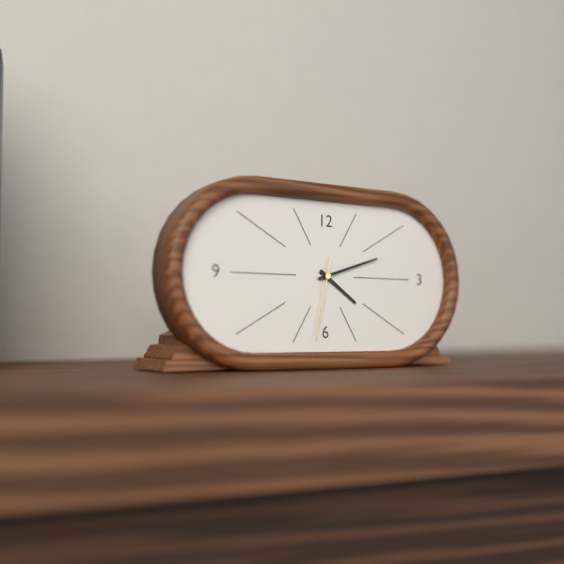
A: 4 h 12 min 32 s
